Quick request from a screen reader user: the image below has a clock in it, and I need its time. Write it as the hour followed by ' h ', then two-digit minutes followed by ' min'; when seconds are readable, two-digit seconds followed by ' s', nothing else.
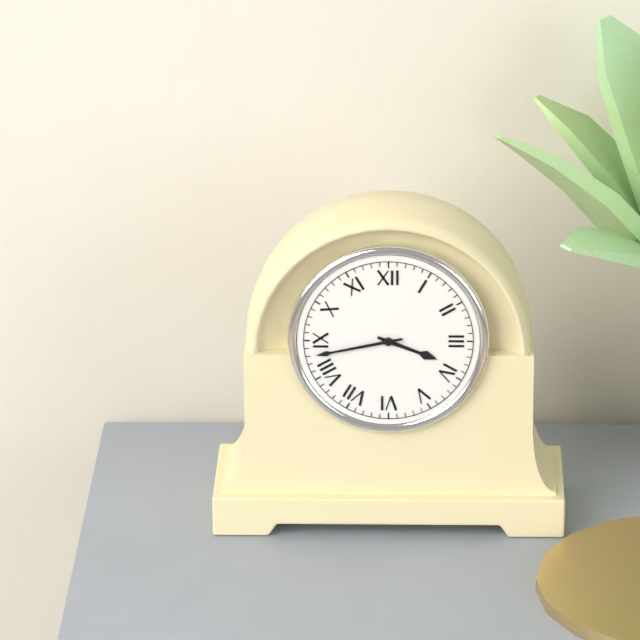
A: 3 h 43 min
